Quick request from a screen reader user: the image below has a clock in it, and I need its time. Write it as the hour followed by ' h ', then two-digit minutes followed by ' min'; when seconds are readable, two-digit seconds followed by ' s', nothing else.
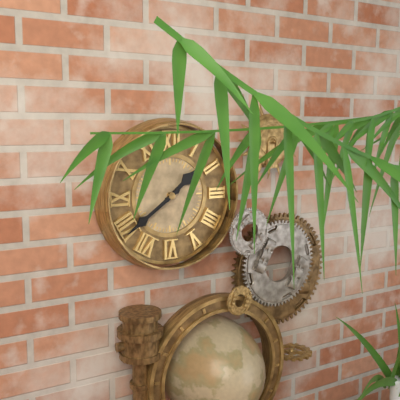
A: 1 h 39 min
